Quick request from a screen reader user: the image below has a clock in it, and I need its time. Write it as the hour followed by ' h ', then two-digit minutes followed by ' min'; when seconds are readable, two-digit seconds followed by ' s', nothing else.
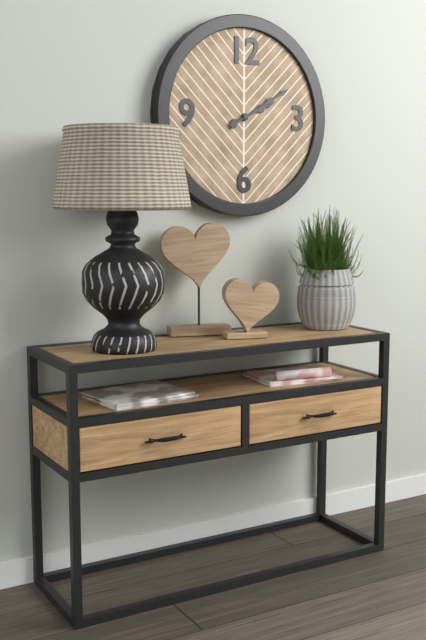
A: 2 h 10 min
